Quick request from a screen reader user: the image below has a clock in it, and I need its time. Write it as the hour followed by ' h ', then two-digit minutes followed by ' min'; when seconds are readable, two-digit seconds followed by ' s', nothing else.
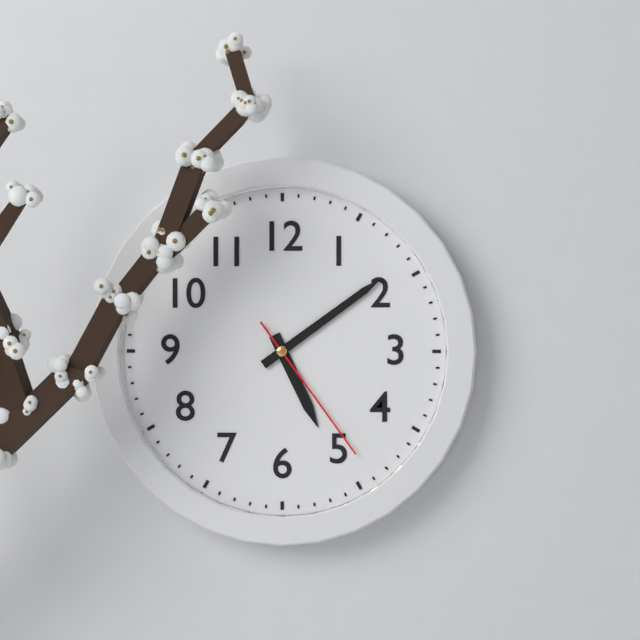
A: 5 h 09 min 24 s
